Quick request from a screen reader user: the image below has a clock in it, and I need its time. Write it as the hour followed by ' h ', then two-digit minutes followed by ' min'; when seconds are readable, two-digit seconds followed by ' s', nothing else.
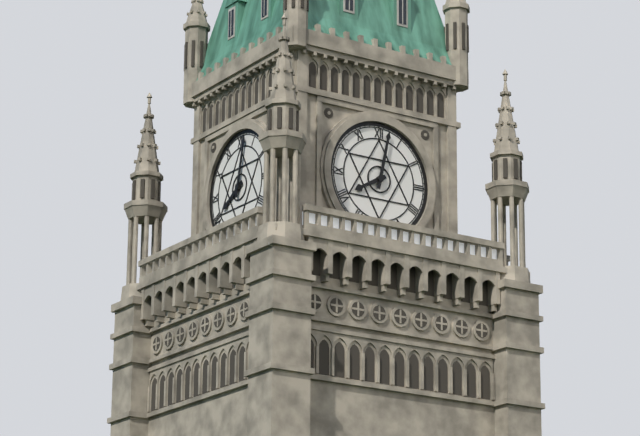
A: 8 h 02 min
